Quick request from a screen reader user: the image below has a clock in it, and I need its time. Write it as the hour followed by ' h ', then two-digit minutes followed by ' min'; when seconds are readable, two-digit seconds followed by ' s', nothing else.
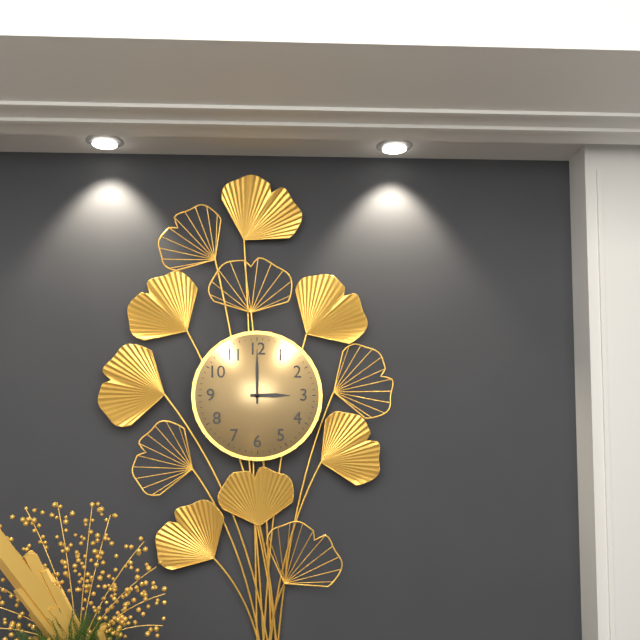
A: 3 h 00 min
